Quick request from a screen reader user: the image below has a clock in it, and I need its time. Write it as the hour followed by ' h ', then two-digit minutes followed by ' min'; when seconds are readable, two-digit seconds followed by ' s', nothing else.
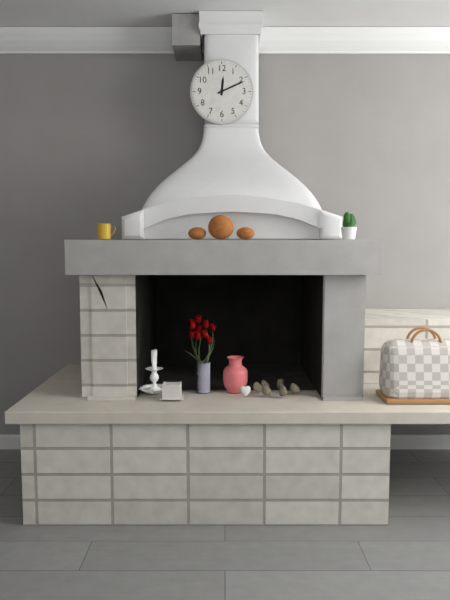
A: 12 h 11 min
